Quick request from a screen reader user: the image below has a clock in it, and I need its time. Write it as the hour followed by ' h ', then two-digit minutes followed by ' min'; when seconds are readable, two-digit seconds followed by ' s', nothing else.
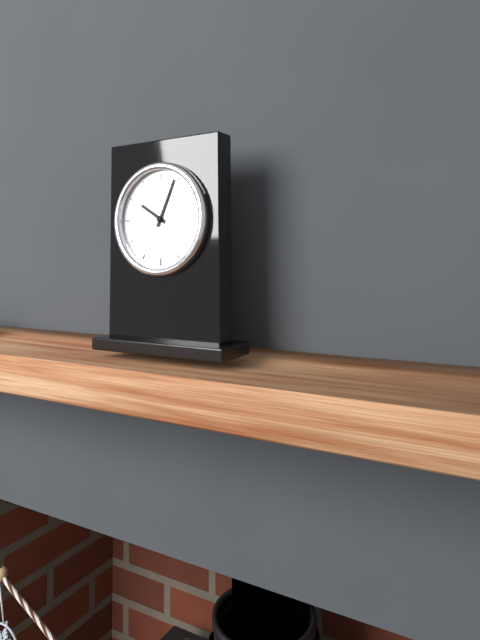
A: 10 h 04 min
